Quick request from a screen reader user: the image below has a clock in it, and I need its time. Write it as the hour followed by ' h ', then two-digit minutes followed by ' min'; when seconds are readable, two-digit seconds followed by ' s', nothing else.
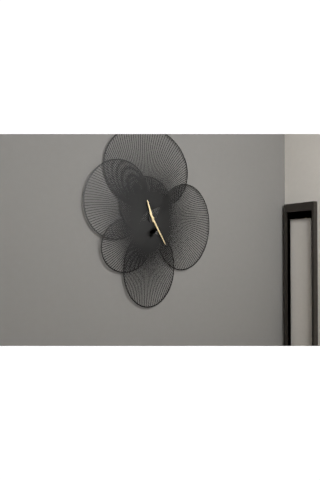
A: 11 h 25 min
